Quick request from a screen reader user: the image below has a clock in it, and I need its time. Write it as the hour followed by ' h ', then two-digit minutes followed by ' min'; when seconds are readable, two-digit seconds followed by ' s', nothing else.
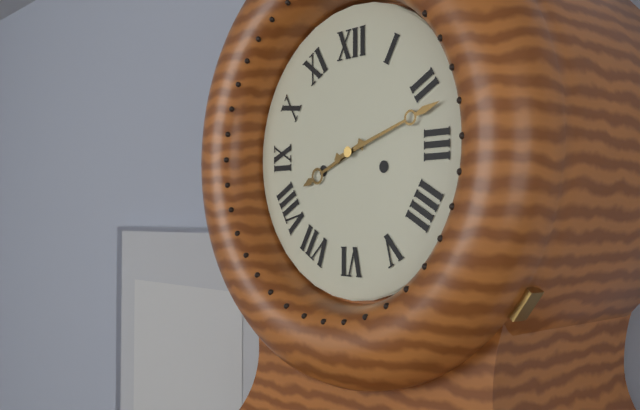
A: 8 h 12 min
